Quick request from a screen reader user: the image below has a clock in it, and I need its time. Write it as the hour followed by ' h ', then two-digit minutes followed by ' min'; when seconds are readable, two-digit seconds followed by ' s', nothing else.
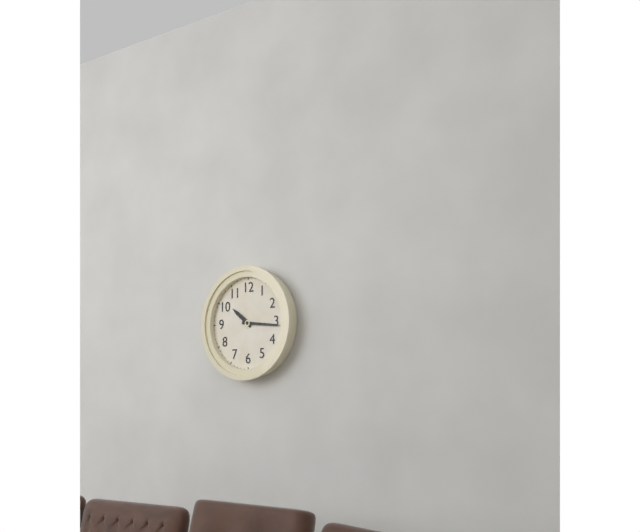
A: 10 h 16 min
